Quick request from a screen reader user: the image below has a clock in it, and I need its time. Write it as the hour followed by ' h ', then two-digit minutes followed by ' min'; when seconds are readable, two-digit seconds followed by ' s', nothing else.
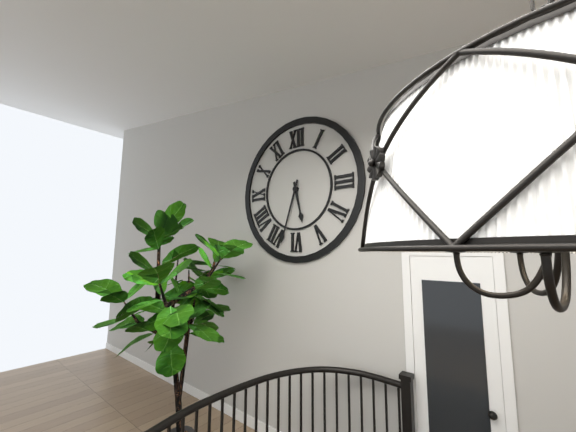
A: 5 h 33 min
